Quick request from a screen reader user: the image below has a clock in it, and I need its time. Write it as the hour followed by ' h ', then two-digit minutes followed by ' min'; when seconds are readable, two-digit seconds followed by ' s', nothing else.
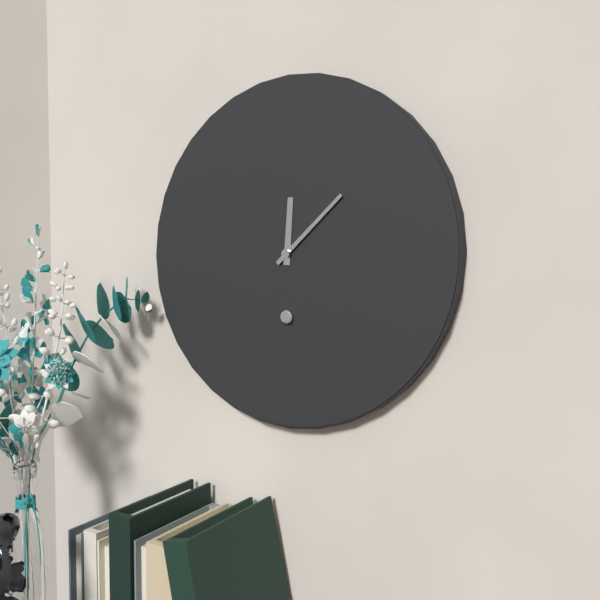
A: 12 h 08 min
